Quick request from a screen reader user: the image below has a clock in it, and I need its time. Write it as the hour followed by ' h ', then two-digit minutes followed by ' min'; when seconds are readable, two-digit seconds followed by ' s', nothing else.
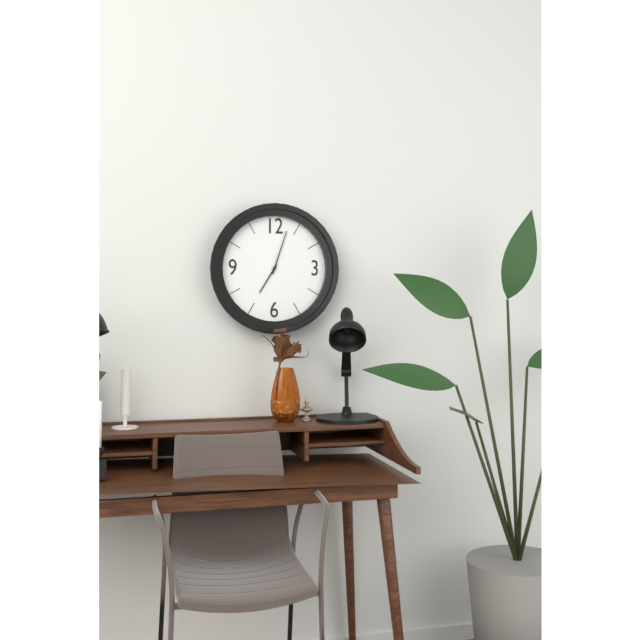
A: 7 h 03 min
